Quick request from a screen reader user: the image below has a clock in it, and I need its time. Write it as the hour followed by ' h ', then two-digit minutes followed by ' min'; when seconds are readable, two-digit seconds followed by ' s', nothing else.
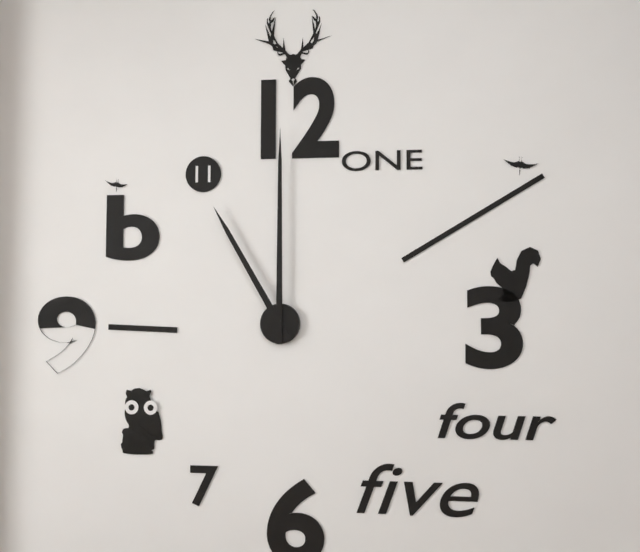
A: 11 h 00 min
